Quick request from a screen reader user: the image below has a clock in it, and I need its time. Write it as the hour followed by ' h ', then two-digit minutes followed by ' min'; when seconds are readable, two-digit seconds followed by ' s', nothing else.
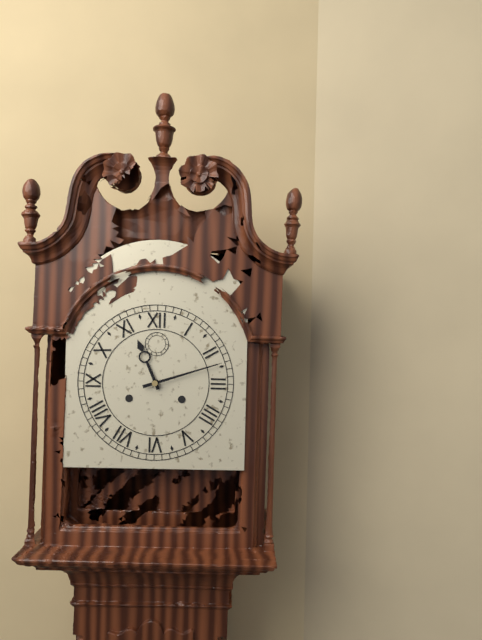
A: 11 h 12 min
